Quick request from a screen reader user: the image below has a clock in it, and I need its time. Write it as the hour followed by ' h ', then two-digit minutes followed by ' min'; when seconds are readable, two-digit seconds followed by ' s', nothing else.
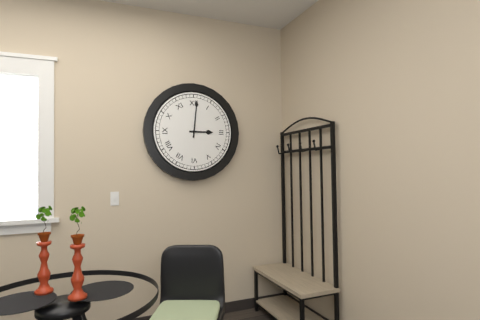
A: 3 h 01 min
